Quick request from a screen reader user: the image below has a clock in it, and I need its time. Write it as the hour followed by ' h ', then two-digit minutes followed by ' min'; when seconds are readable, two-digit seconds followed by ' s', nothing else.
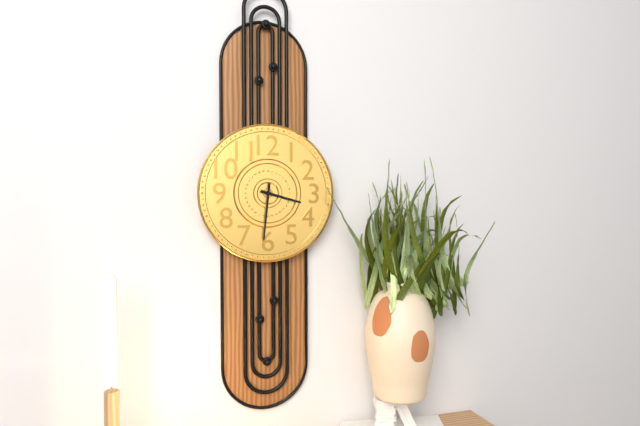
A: 3 h 31 min
